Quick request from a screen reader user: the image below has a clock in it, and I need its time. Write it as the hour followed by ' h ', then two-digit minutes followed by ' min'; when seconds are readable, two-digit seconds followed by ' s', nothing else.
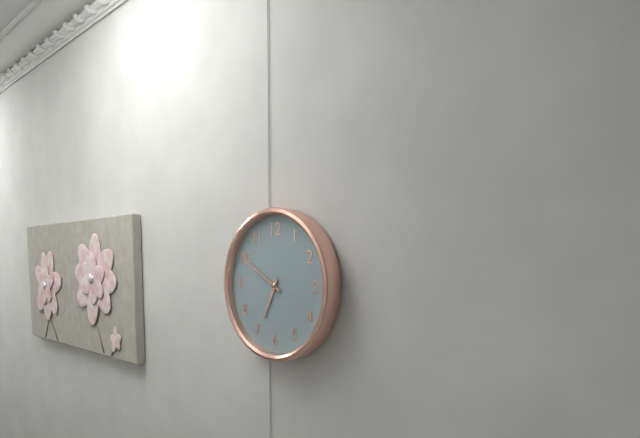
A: 6 h 50 min
